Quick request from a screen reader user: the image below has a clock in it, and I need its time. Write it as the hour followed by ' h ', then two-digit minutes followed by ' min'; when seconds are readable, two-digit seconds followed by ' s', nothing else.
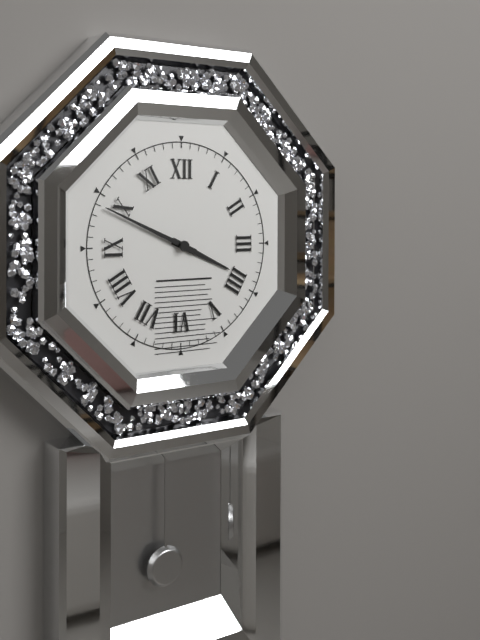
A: 3 h 49 min
